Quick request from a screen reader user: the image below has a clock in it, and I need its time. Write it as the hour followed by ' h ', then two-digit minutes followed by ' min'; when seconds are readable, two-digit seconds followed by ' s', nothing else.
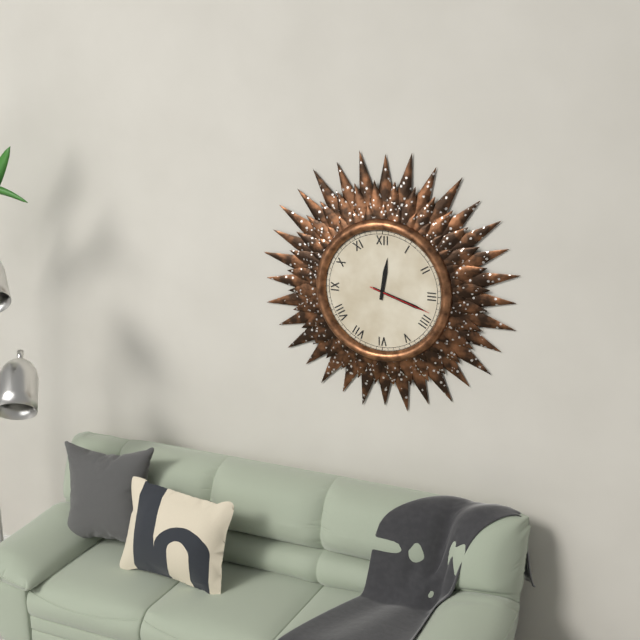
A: 12 h 18 min 18 s
